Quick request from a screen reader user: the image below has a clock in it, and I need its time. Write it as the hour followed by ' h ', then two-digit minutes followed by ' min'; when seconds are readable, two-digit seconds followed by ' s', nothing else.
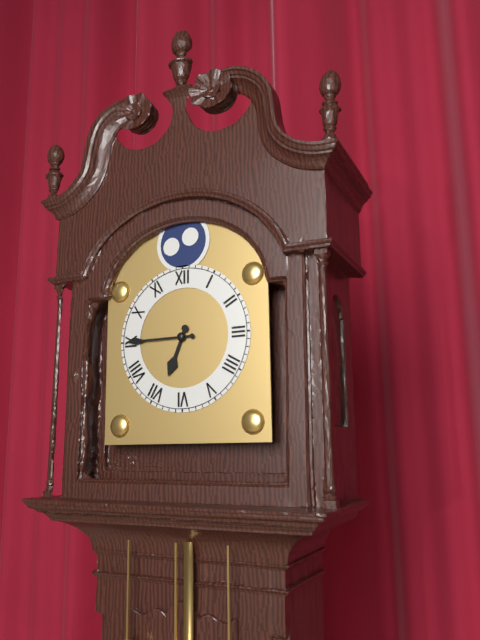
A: 6 h 45 min
